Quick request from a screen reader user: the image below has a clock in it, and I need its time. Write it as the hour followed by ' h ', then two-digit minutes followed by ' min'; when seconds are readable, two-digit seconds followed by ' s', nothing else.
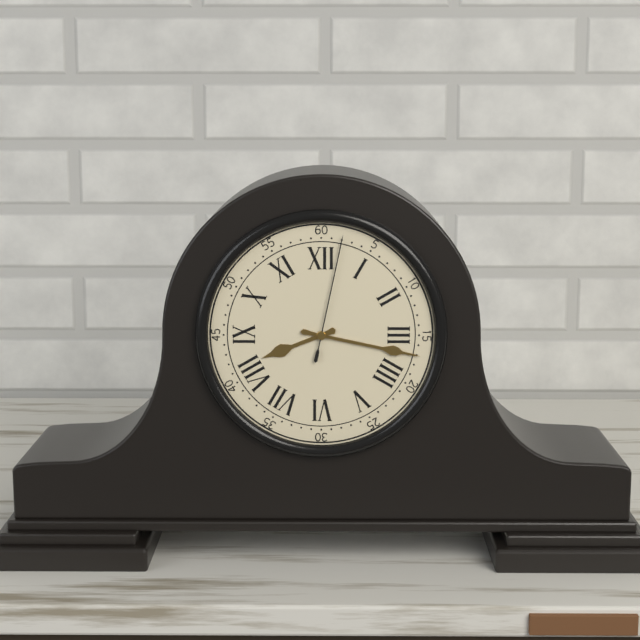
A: 8 h 17 min 02 s
